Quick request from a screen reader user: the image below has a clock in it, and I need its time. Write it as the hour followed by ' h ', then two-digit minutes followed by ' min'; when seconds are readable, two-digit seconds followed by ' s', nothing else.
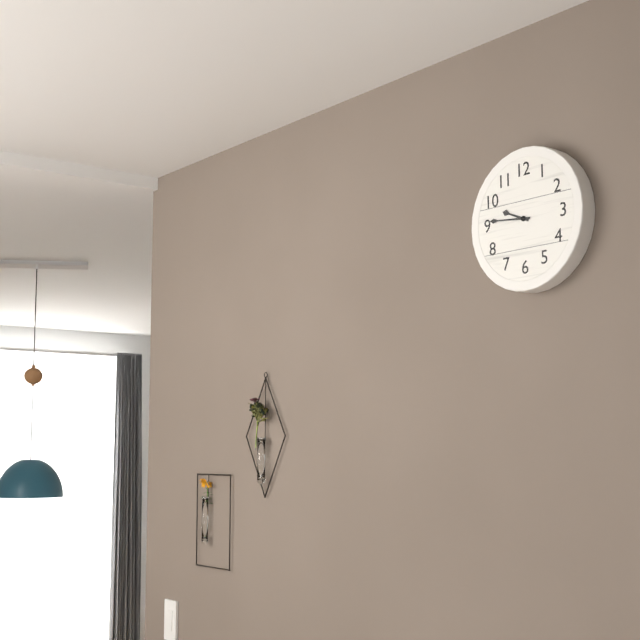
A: 9 h 46 min
